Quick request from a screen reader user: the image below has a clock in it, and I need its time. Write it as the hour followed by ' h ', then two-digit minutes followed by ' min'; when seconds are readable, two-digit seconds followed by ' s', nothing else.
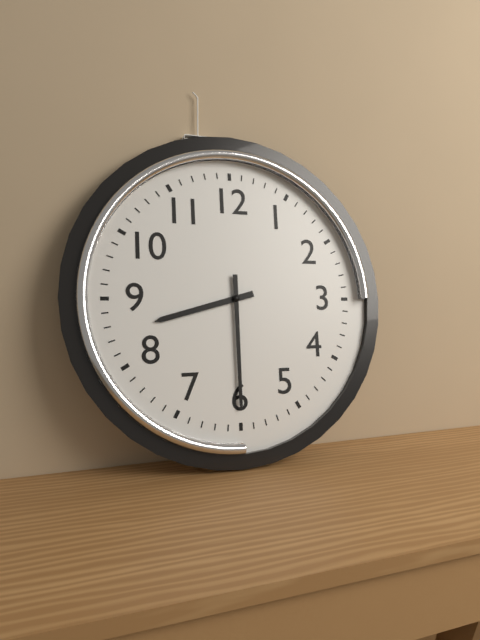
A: 8 h 30 min
